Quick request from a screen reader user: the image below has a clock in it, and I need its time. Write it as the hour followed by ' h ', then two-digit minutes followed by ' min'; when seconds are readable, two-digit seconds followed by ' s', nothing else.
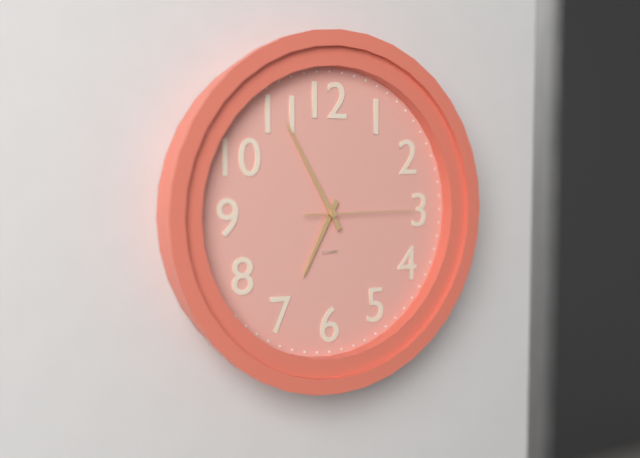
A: 6 h 55 min 15 s
